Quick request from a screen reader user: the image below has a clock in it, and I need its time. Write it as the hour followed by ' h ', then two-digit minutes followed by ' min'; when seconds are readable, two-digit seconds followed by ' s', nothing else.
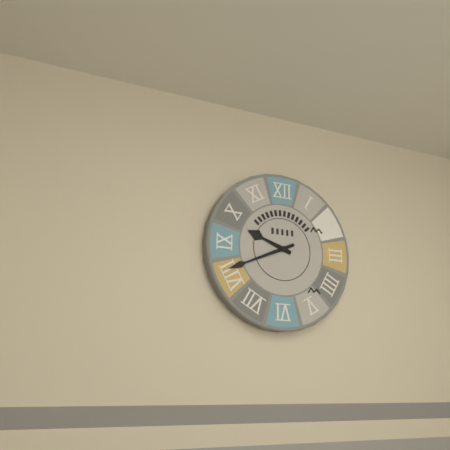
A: 9 h 41 min
